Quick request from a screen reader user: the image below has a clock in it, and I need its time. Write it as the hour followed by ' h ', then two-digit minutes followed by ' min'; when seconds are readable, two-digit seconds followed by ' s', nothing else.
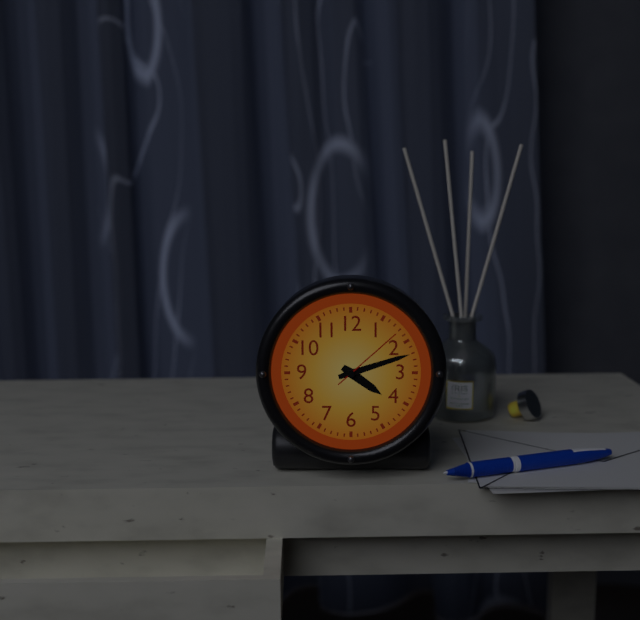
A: 4 h 12 min 08 s
